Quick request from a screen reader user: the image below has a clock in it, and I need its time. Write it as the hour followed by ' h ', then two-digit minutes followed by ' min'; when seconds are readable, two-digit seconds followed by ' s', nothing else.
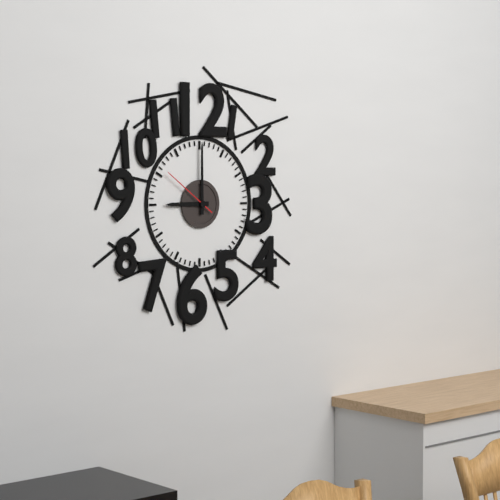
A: 9 h 00 min 51 s
